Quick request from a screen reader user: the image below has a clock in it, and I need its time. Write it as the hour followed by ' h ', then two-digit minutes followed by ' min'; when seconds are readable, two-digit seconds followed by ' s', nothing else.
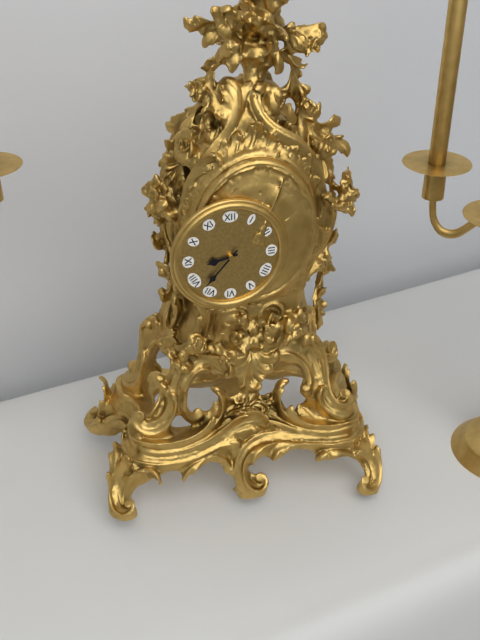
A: 8 h 37 min
